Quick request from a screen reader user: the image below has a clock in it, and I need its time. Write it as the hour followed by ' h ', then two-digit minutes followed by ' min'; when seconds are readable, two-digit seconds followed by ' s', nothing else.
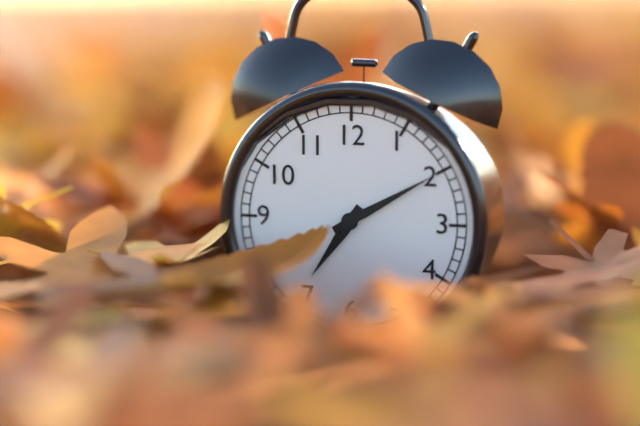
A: 7 h 10 min
